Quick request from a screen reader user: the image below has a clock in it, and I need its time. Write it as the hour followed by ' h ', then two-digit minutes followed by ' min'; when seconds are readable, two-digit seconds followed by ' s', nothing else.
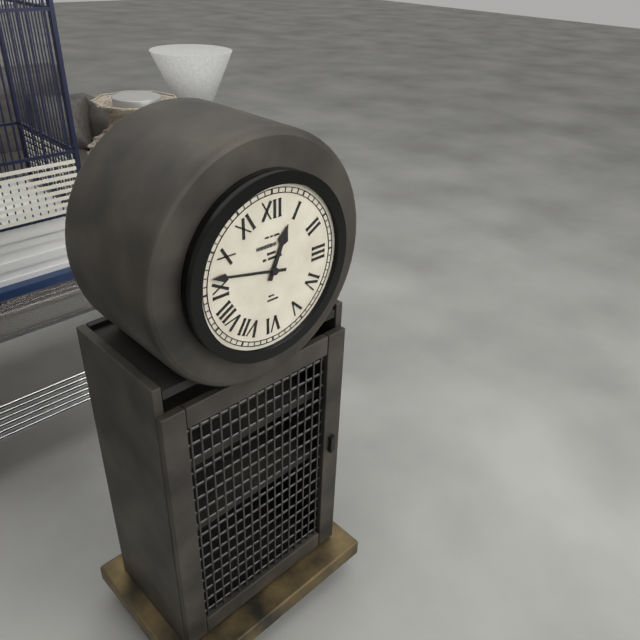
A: 12 h 47 min
